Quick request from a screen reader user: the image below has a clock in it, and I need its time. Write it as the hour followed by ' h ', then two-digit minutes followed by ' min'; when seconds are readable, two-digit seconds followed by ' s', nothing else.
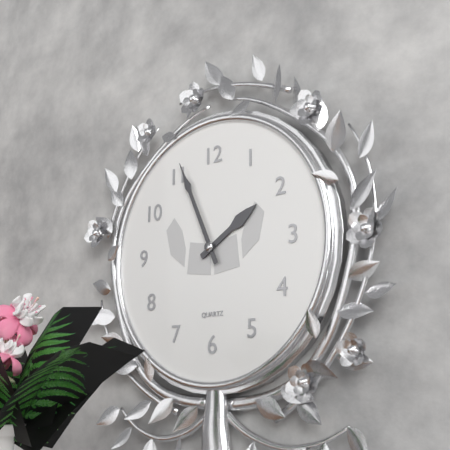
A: 1 h 56 min
